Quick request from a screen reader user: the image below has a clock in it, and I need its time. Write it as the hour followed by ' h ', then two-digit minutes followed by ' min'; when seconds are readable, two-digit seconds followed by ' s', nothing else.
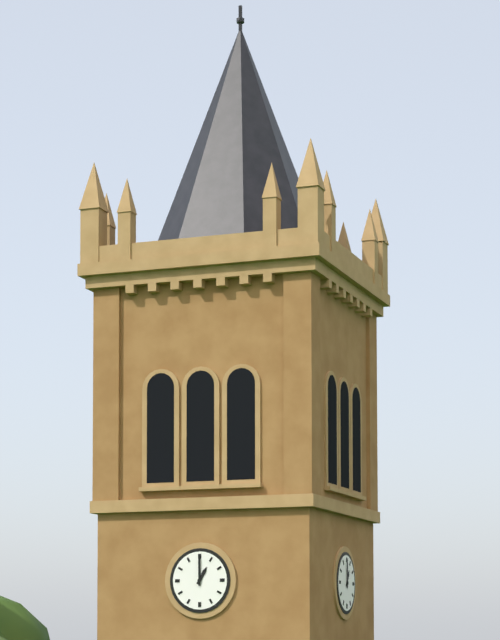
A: 1 h 00 min
